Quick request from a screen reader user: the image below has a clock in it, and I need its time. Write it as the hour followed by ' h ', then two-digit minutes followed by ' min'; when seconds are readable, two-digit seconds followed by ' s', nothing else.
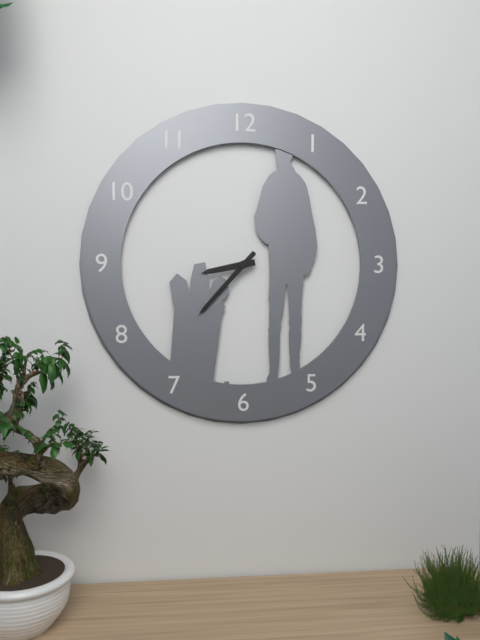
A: 8 h 37 min
